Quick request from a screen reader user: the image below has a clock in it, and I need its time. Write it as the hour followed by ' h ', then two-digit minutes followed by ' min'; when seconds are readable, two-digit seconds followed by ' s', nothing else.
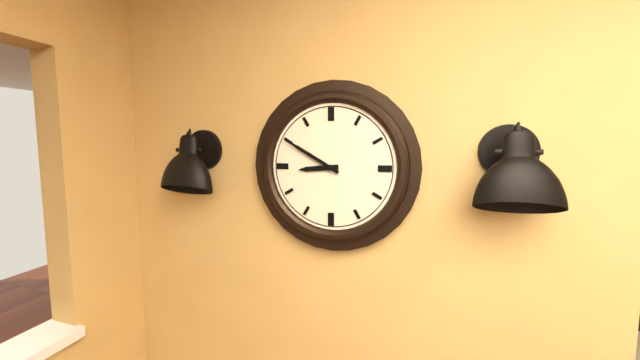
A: 8 h 50 min
